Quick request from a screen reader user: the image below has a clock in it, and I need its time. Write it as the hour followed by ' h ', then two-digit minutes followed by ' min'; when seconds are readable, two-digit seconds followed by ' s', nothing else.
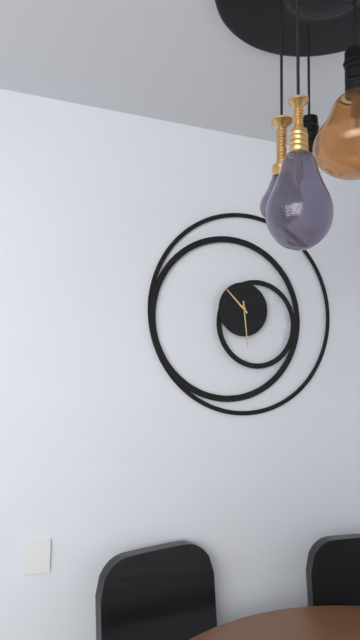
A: 10 h 29 min
